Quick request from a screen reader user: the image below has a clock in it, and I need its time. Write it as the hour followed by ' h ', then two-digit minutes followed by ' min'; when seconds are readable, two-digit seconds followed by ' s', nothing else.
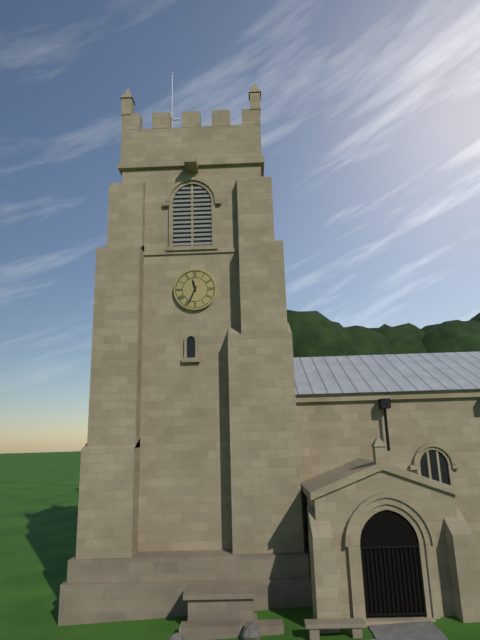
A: 11 h 34 min
